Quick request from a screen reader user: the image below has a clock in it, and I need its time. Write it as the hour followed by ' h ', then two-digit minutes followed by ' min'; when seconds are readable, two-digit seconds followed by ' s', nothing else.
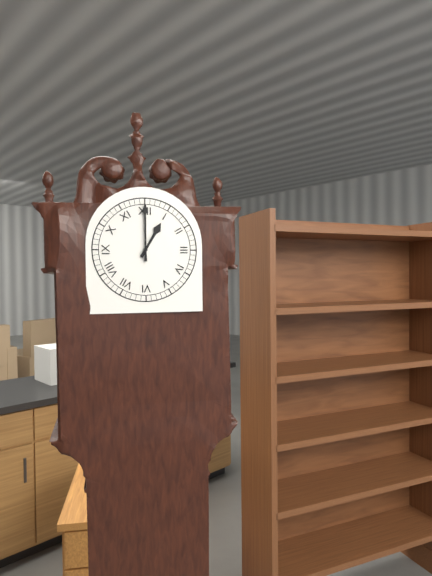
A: 1 h 00 min
